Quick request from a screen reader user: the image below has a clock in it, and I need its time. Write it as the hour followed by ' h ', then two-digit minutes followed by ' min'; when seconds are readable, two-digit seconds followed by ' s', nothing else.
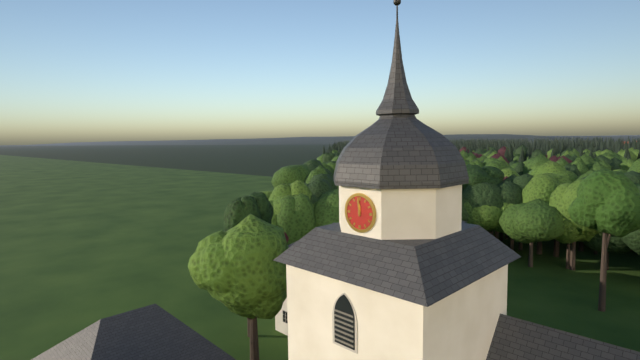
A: 11 h 59 min
